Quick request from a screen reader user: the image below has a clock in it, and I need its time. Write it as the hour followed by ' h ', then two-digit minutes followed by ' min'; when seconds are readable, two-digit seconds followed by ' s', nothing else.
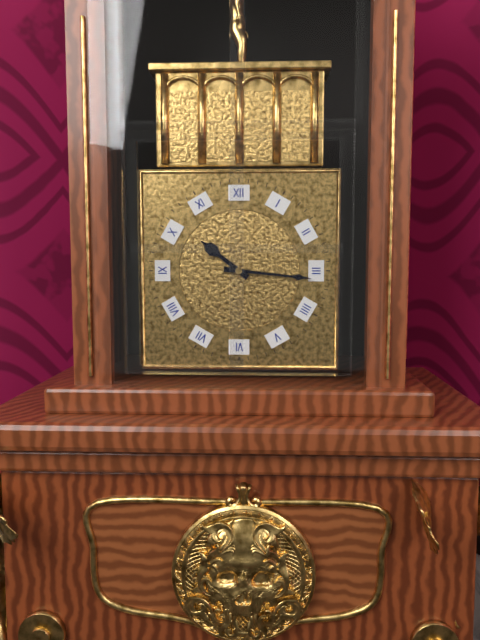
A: 10 h 16 min
